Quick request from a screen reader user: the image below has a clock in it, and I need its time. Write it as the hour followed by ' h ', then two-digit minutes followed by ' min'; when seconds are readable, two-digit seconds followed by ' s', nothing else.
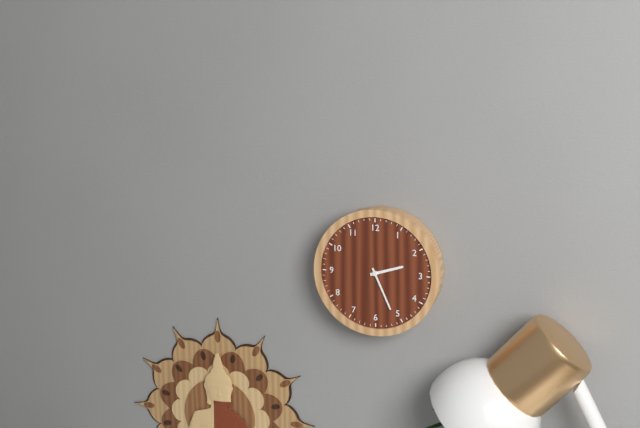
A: 2 h 26 min
